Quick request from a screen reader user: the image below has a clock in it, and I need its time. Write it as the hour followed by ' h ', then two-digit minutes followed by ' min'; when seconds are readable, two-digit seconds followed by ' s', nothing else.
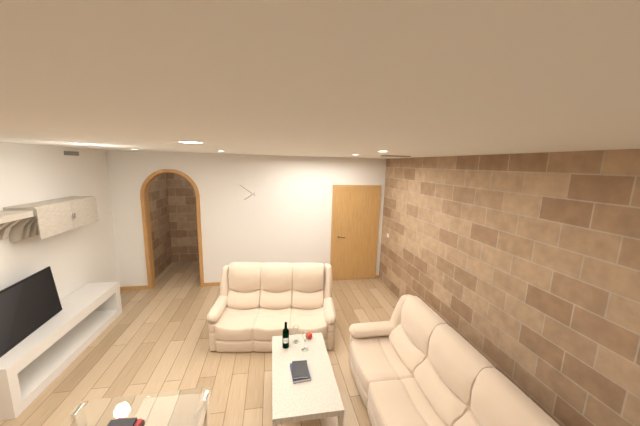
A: 7 h 51 min
